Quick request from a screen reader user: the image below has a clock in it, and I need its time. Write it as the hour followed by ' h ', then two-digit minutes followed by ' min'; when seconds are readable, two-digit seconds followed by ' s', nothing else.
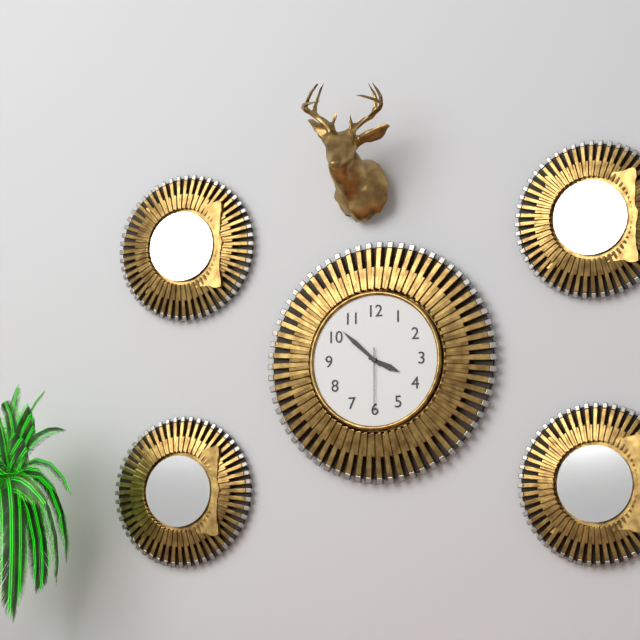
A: 3 h 52 min 30 s
